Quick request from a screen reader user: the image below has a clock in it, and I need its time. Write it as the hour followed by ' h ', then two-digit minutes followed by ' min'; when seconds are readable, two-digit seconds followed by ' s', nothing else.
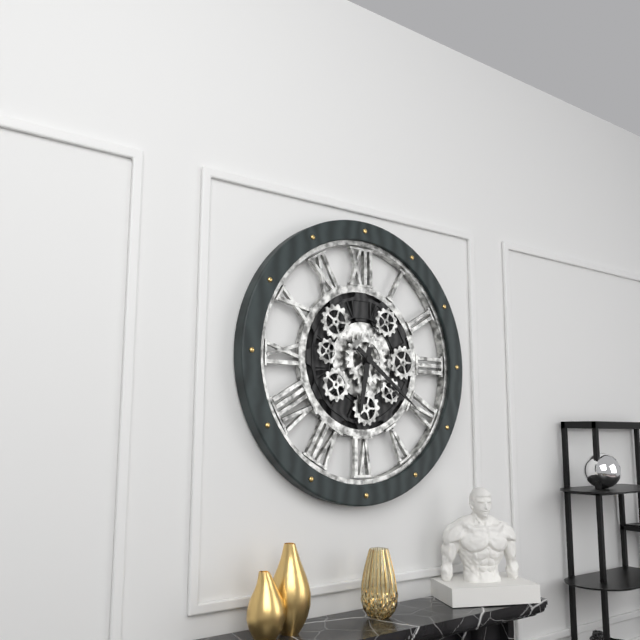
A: 6 h 21 min
